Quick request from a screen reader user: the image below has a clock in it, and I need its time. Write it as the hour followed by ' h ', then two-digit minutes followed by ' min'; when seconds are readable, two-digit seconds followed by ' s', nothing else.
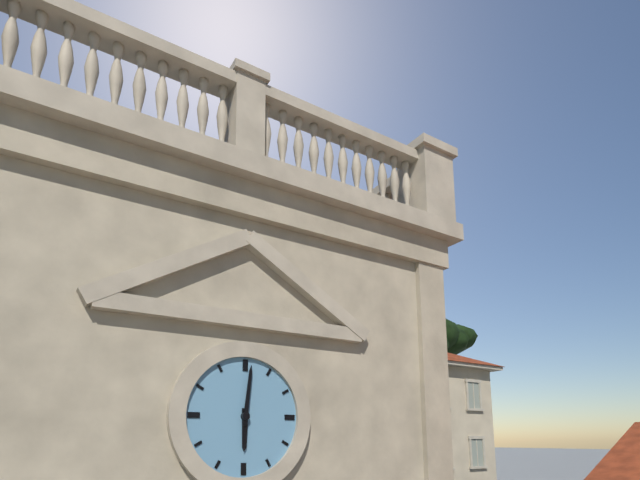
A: 6 h 01 min
